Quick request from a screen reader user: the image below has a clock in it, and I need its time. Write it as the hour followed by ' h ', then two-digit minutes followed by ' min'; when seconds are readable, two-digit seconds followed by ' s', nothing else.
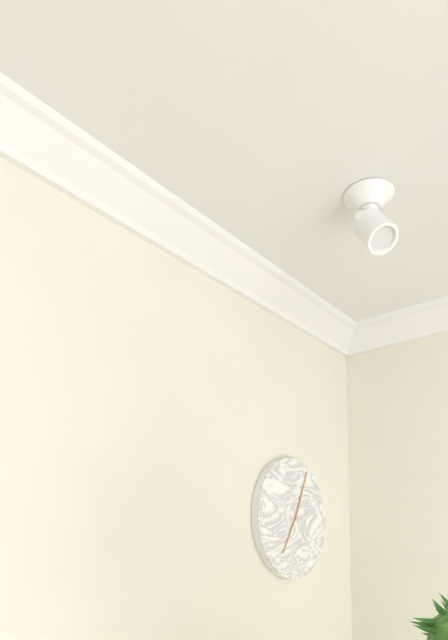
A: 7 h 04 min
